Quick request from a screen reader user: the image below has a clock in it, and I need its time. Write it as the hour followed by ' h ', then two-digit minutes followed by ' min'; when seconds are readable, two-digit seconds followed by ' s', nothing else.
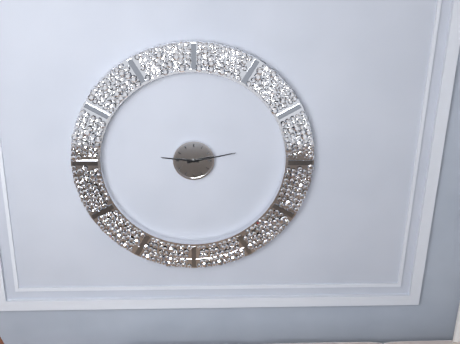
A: 9 h 13 min
